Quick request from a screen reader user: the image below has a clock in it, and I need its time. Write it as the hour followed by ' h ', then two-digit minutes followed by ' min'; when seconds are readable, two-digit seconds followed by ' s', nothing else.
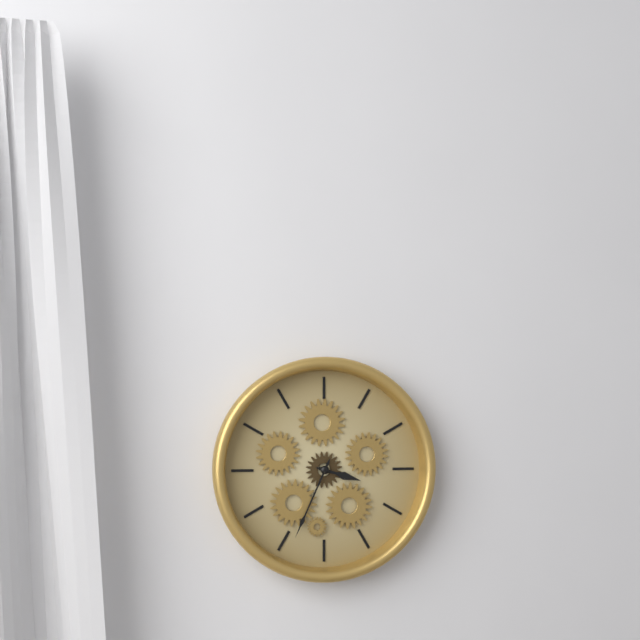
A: 3 h 34 min
